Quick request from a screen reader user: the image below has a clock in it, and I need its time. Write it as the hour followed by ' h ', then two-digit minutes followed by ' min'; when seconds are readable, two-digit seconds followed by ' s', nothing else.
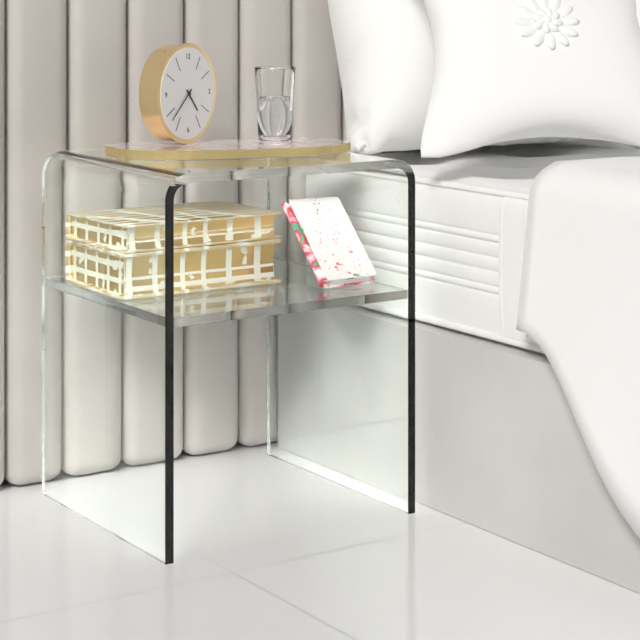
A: 4 h 38 min
